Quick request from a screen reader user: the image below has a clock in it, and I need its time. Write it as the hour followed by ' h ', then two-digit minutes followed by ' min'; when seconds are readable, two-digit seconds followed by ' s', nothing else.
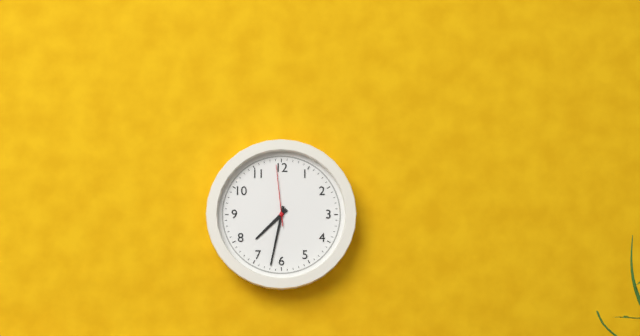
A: 7 h 32 min 59 s
